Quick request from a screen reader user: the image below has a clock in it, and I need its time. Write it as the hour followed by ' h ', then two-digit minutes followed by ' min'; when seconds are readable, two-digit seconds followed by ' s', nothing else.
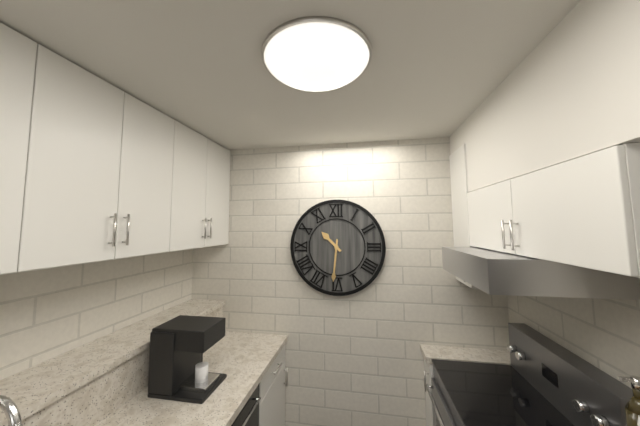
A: 10 h 31 min
